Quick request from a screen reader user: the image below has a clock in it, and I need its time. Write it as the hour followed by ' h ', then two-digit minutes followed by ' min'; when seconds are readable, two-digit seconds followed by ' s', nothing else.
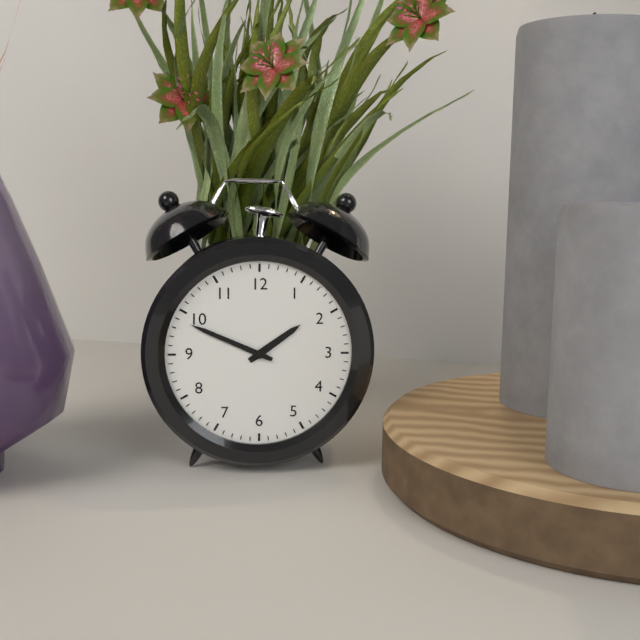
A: 1 h 49 min
